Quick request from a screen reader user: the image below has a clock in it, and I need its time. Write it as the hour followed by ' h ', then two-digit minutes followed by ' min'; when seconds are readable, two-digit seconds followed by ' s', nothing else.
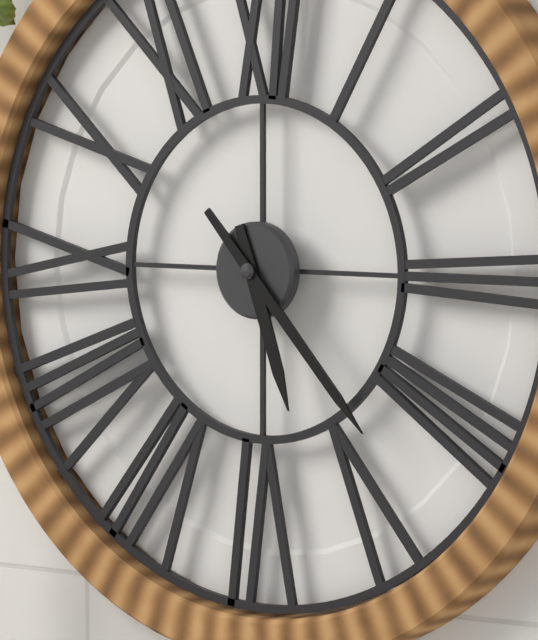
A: 5 h 23 min
